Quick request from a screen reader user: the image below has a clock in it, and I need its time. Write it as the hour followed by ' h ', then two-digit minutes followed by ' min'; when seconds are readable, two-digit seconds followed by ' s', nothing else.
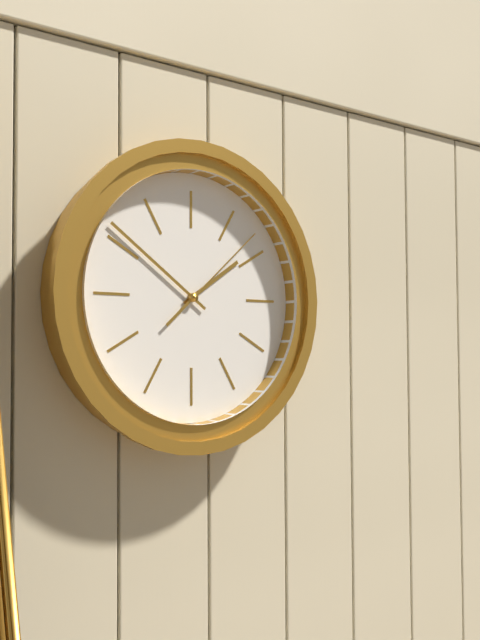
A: 1 h 51 min 08 s
